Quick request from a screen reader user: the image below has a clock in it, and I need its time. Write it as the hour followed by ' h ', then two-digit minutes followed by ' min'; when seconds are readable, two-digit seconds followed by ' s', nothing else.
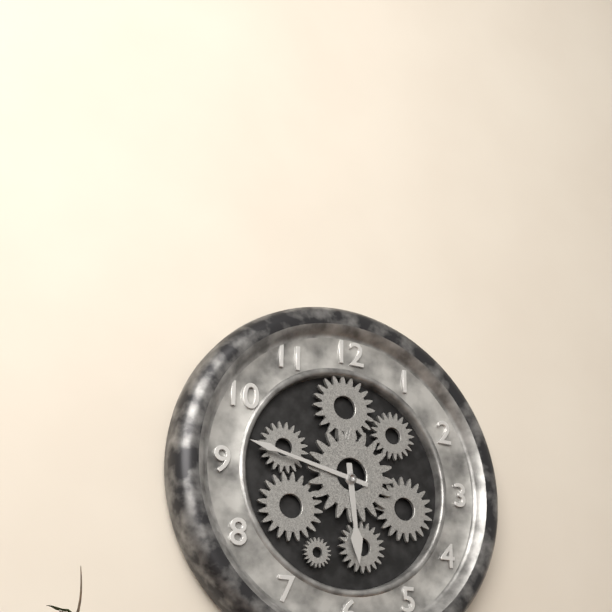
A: 5 h 47 min
